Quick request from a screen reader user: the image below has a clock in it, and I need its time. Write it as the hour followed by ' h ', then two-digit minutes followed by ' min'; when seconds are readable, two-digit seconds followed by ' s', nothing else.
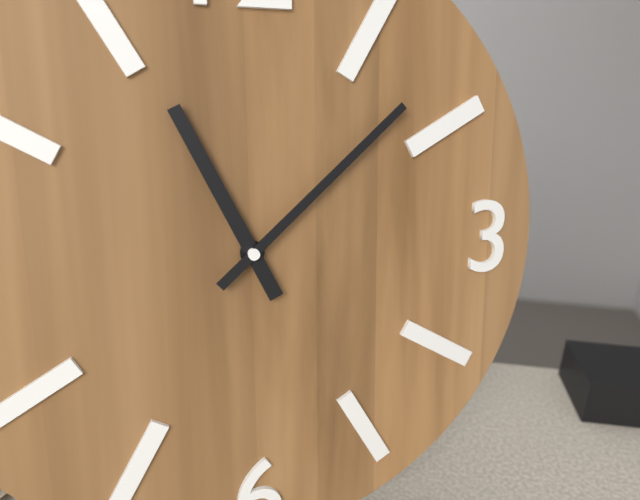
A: 11 h 08 min
